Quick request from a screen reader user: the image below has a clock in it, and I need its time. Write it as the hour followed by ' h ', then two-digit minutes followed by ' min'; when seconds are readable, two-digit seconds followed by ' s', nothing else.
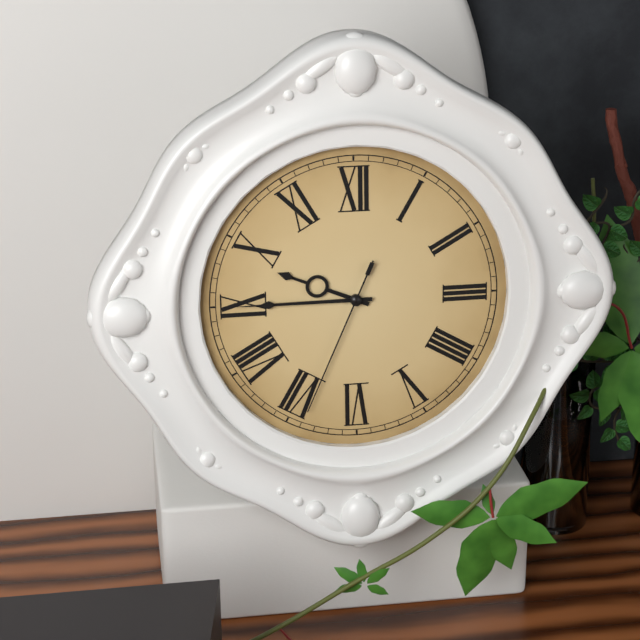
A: 9 h 45 min 34 s
